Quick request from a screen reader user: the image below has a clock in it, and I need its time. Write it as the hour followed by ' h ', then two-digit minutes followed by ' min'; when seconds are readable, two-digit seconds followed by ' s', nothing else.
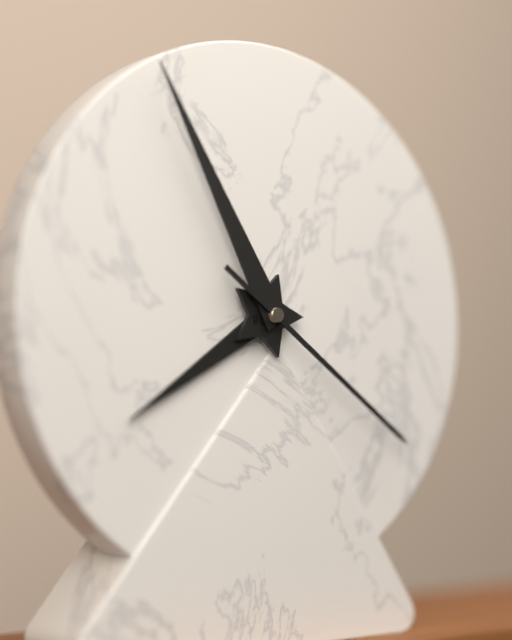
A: 7 h 55 min 21 s
